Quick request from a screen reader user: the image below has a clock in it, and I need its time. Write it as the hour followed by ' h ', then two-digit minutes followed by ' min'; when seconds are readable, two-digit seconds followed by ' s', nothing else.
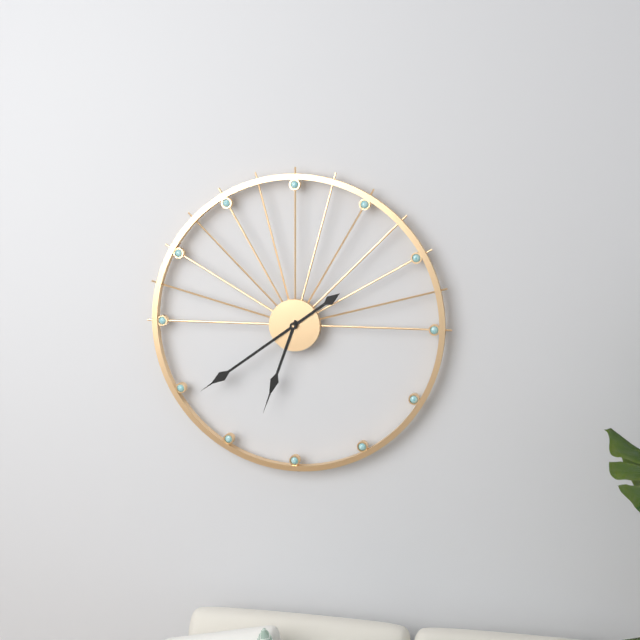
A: 6 h 39 min
